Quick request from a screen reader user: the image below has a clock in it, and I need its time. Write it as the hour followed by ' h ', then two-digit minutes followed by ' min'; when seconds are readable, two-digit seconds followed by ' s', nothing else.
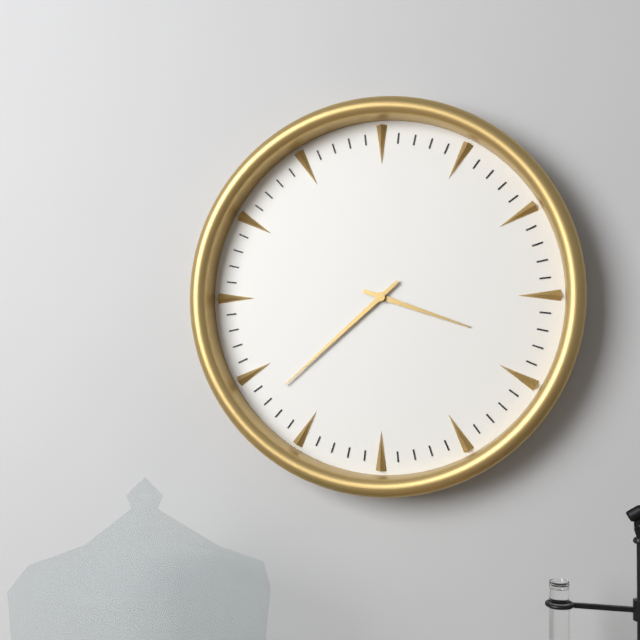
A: 3 h 38 min
